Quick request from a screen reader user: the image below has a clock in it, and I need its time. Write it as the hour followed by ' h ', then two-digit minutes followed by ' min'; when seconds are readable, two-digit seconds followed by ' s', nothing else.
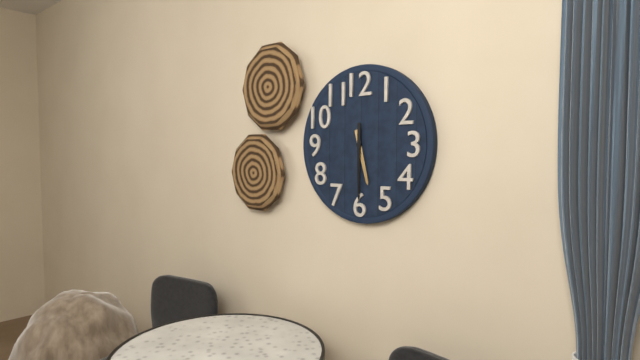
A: 5 h 30 min
